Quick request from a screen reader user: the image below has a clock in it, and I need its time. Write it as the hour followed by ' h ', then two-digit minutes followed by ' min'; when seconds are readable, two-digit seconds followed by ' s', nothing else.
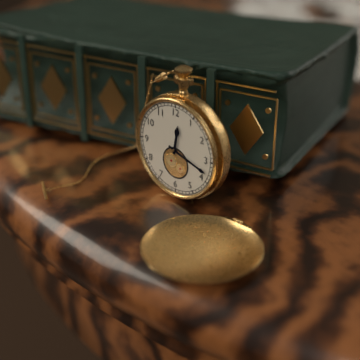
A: 12 h 18 min
